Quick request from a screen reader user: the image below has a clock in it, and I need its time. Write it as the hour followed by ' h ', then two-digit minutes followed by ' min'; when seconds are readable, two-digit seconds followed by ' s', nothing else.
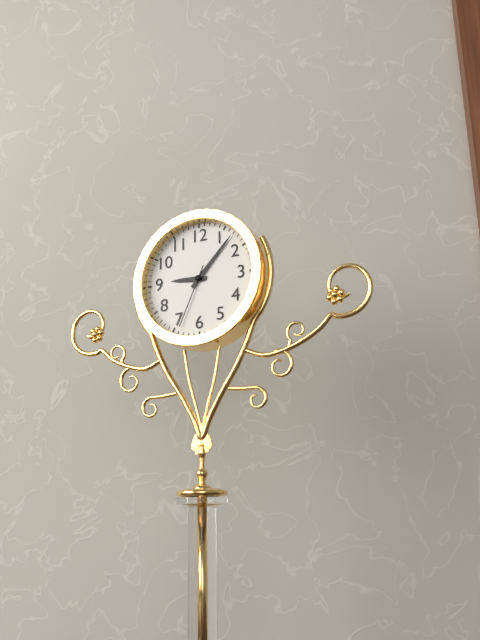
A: 9 h 07 min 34 s
